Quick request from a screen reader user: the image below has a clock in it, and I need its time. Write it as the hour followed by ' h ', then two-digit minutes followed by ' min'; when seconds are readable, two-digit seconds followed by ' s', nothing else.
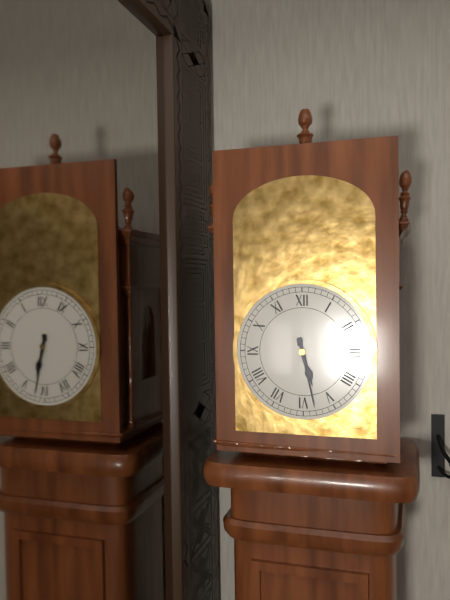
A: 5 h 28 min
